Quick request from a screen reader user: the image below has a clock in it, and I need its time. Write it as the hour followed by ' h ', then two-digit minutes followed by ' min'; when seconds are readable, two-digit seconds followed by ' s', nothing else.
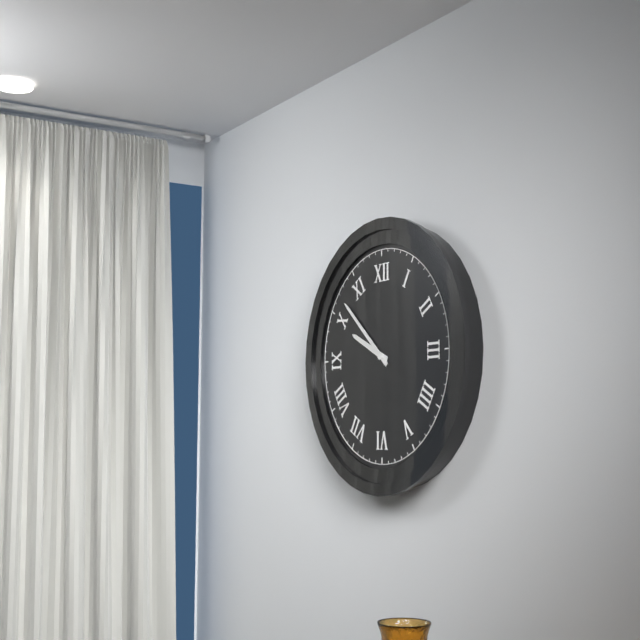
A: 9 h 52 min
